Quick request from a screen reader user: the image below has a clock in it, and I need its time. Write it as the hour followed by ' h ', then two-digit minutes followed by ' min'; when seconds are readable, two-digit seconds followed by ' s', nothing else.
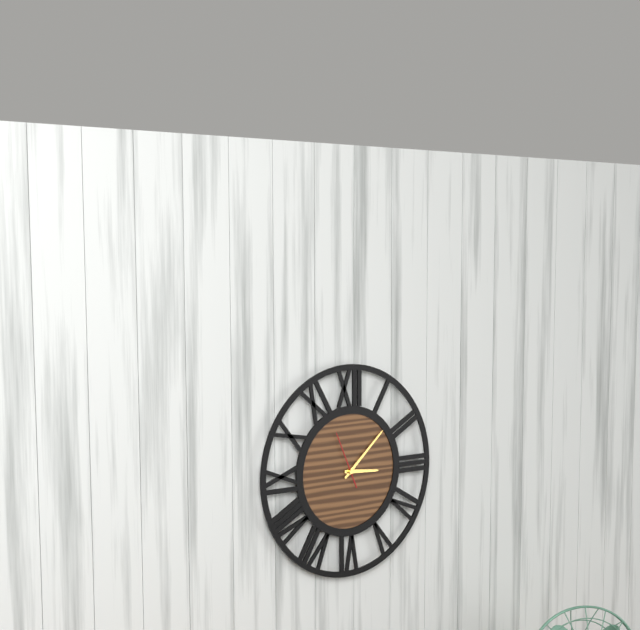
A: 3 h 08 min
